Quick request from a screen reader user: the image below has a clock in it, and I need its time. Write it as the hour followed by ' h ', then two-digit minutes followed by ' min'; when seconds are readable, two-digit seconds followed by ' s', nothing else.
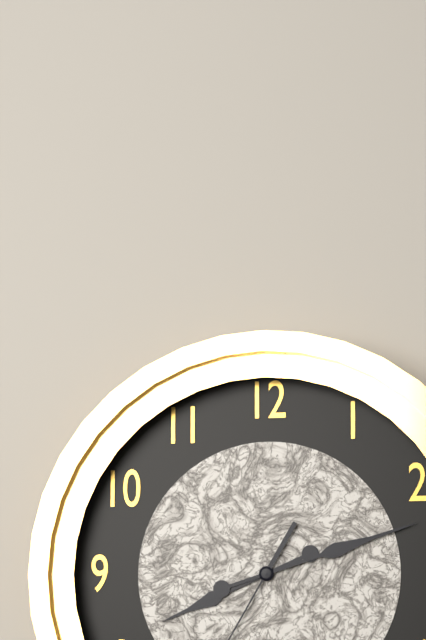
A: 8 h 12 min
